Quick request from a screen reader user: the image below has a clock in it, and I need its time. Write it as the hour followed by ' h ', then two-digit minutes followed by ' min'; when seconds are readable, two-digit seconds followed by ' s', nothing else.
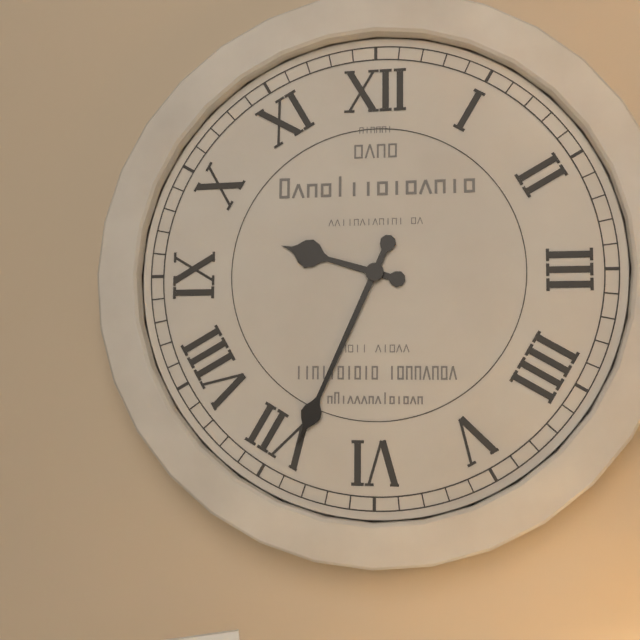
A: 9 h 34 min
